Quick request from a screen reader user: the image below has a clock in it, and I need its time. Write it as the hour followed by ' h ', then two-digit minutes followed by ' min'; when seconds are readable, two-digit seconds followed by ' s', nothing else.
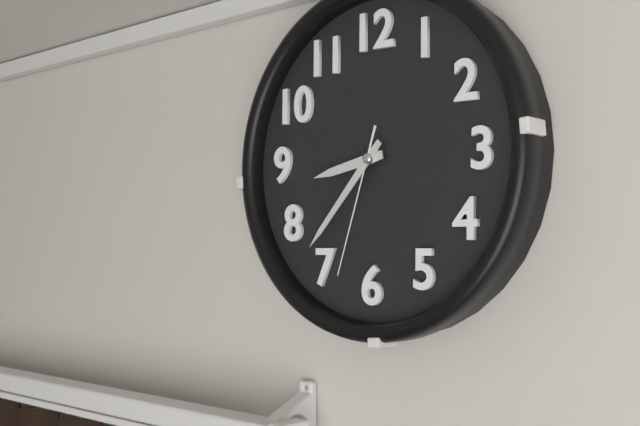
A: 8 h 37 min 33 s
